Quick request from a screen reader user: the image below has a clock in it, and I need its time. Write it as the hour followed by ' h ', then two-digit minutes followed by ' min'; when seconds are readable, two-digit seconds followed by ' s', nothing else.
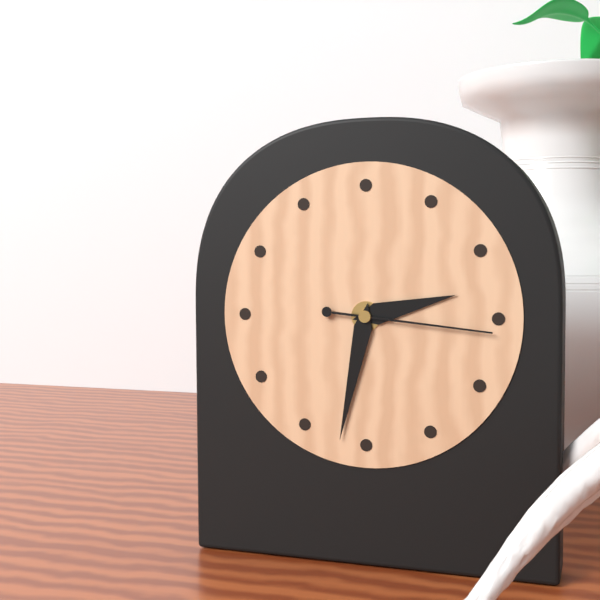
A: 2 h 32 min 16 s
